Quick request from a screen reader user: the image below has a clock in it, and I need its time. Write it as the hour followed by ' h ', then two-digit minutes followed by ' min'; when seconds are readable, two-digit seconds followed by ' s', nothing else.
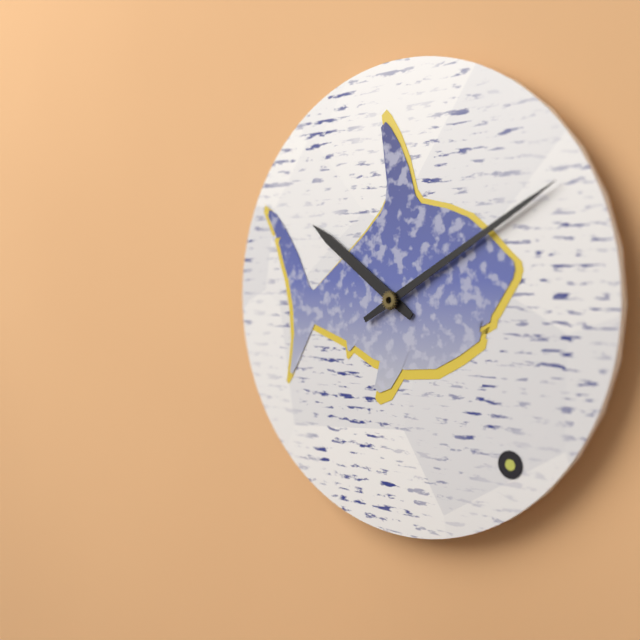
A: 10 h 10 min
